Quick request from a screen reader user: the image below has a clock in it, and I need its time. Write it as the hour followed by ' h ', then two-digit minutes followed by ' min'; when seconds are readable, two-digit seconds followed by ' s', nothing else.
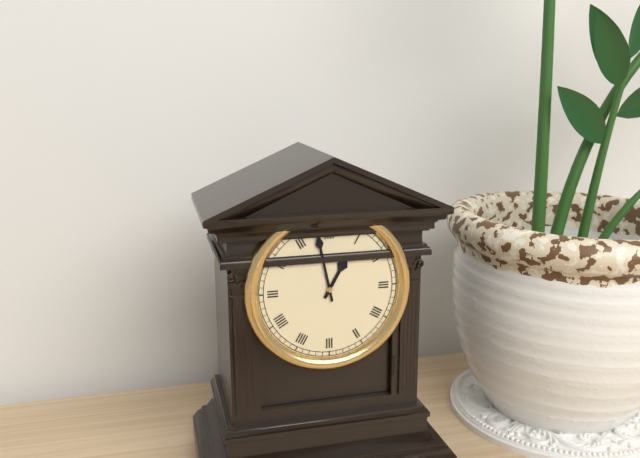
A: 12 h 58 min
